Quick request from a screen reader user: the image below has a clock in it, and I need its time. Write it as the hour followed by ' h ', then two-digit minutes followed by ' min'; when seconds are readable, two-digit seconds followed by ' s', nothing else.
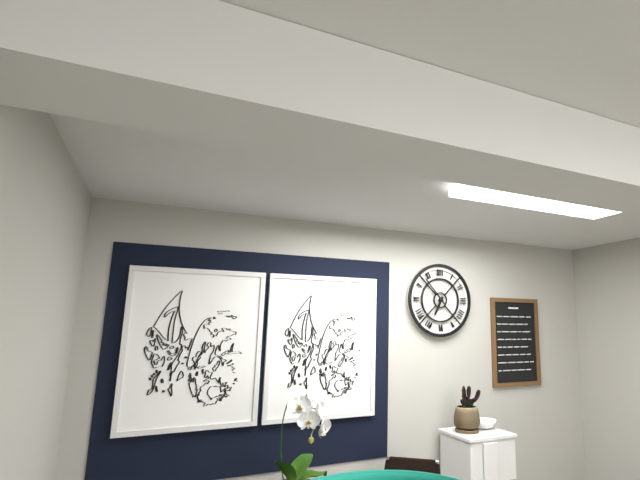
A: 6 h 53 min
